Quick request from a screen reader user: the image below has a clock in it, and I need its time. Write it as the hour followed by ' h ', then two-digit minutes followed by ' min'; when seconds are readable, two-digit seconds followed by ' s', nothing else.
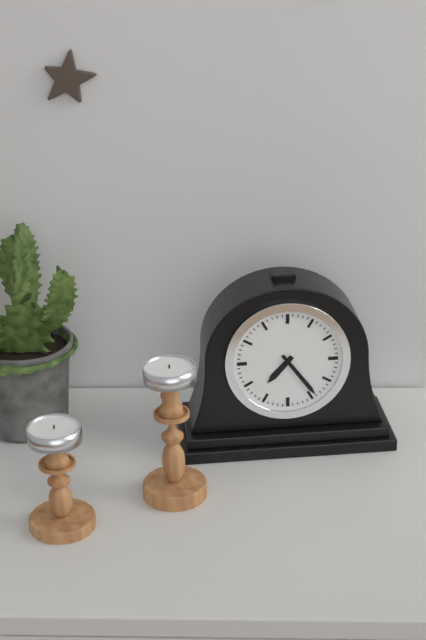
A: 7 h 24 min
